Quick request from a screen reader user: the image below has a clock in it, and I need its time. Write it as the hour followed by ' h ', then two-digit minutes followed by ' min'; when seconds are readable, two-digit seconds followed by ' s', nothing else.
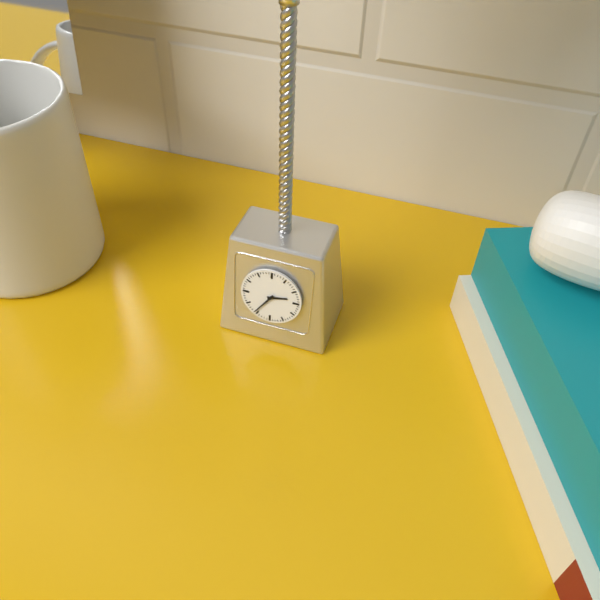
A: 2 h 36 min
